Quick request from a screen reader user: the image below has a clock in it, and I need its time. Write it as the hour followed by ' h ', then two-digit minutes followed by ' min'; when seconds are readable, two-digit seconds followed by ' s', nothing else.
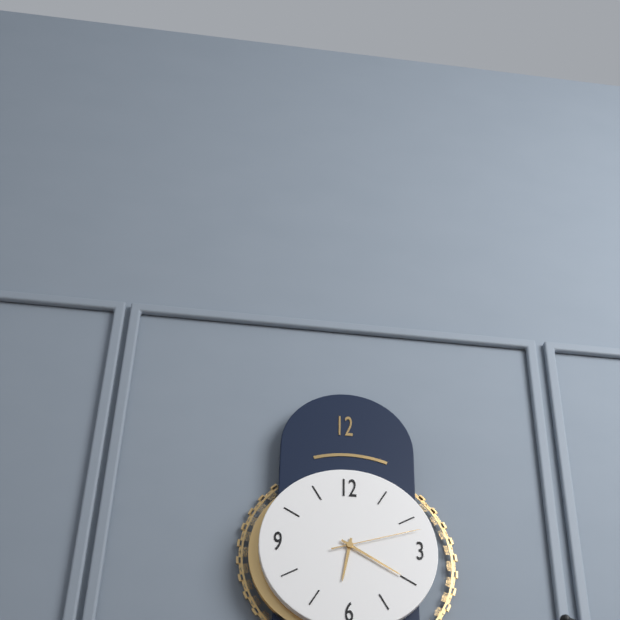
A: 6 h 20 min 12 s
